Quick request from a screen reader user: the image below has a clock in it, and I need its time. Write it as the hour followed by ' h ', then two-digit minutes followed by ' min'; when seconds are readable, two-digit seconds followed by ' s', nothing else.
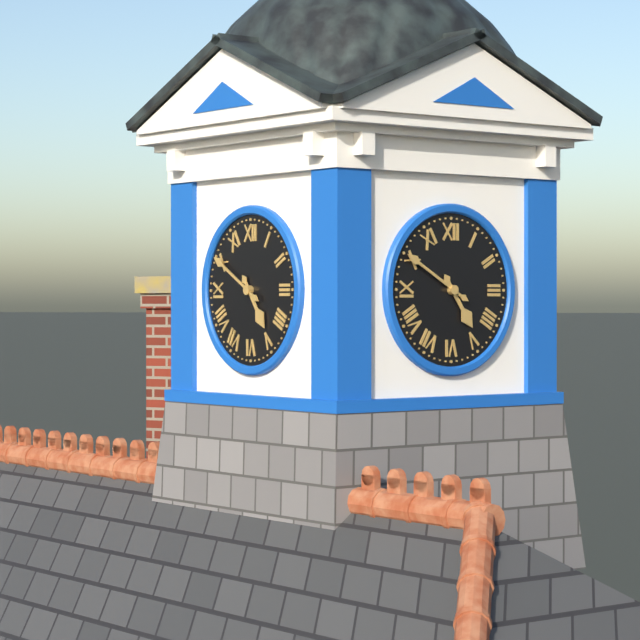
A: 4 h 50 min
